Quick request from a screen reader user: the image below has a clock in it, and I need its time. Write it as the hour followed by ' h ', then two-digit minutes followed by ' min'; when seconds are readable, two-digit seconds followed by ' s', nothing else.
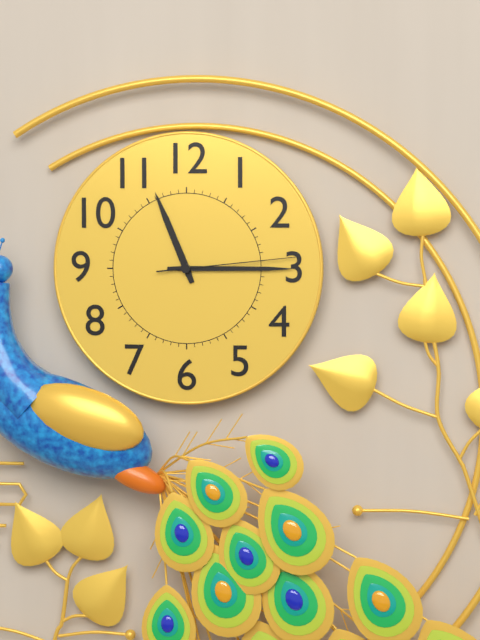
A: 11 h 15 min 14 s
